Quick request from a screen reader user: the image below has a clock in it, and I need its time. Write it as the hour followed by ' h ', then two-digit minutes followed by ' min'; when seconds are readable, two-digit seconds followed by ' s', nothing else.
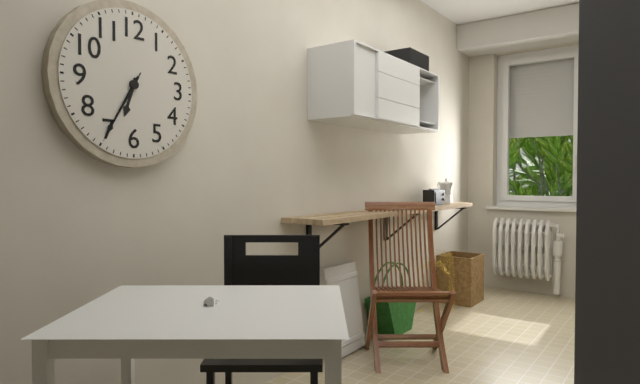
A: 6 h 35 min 35 s
